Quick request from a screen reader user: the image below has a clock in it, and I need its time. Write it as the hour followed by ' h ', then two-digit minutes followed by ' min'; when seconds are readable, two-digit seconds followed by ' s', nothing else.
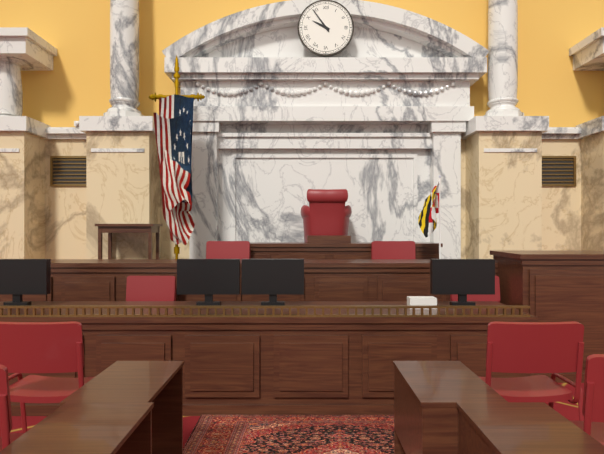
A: 9 h 54 min
